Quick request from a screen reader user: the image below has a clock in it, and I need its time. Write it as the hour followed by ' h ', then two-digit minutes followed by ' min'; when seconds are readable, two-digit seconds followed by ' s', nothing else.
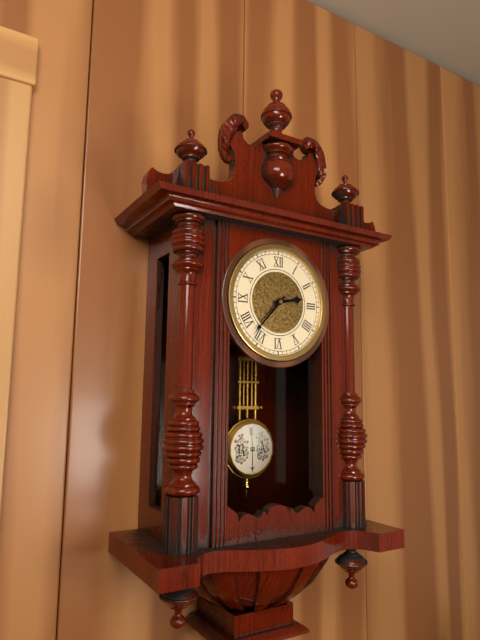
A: 2 h 37 min
